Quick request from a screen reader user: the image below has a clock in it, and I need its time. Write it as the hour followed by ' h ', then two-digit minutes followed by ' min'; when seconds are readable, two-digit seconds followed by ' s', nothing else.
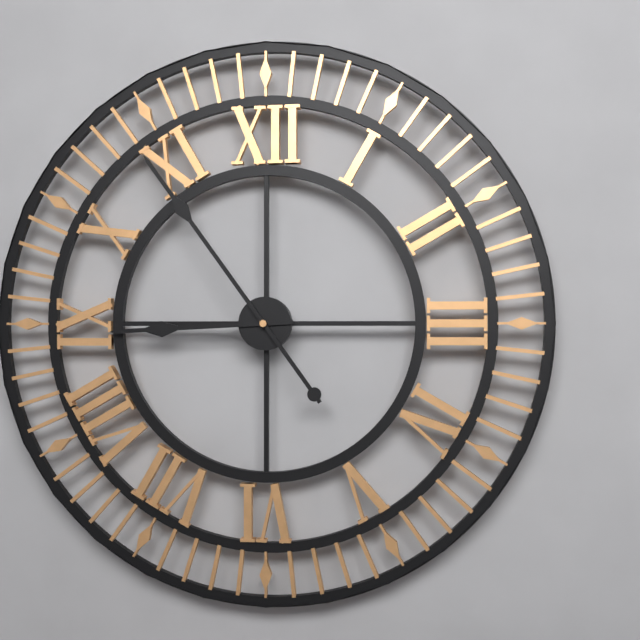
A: 8 h 54 min
